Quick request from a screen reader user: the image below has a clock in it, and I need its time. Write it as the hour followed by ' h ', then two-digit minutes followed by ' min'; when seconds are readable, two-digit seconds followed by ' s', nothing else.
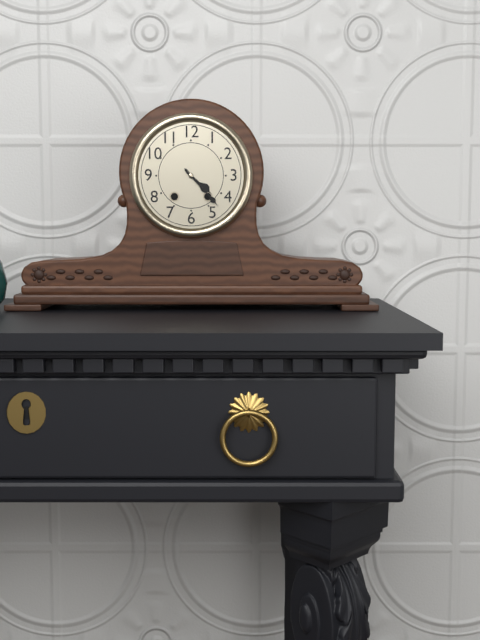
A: 4 h 23 min
